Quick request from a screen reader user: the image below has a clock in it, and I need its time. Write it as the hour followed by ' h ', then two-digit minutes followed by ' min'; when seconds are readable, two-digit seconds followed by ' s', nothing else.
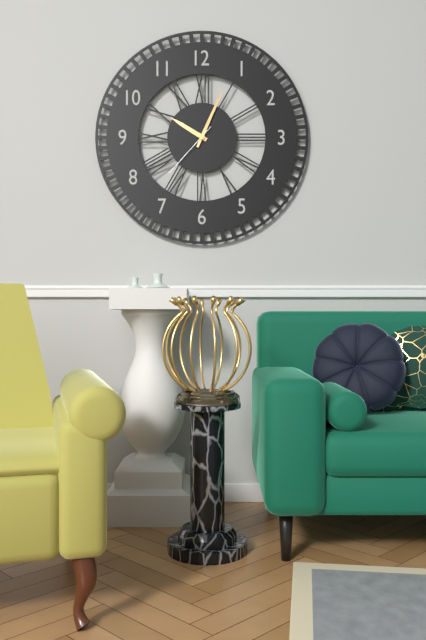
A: 10 h 04 min 37 s
